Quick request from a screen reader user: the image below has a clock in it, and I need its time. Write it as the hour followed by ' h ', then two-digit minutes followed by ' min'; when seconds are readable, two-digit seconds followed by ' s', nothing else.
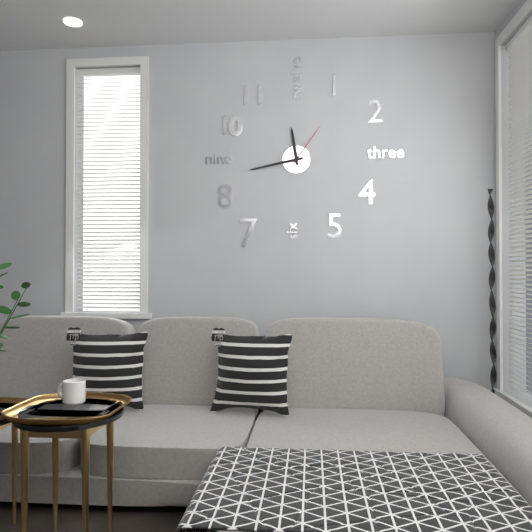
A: 11 h 43 min 06 s
